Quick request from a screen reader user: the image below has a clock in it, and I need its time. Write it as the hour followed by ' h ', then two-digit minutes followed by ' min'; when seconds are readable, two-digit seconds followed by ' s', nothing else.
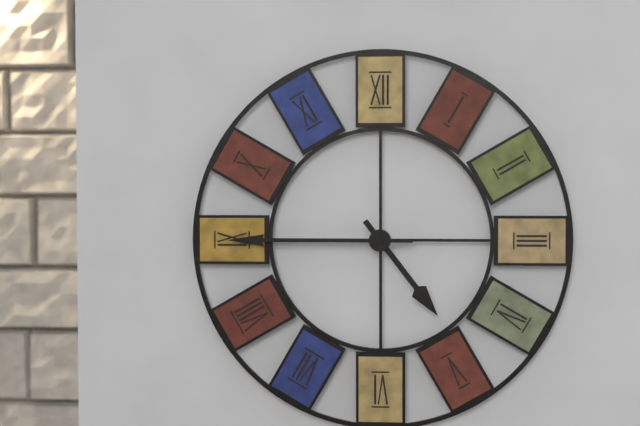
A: 4 h 45 min
